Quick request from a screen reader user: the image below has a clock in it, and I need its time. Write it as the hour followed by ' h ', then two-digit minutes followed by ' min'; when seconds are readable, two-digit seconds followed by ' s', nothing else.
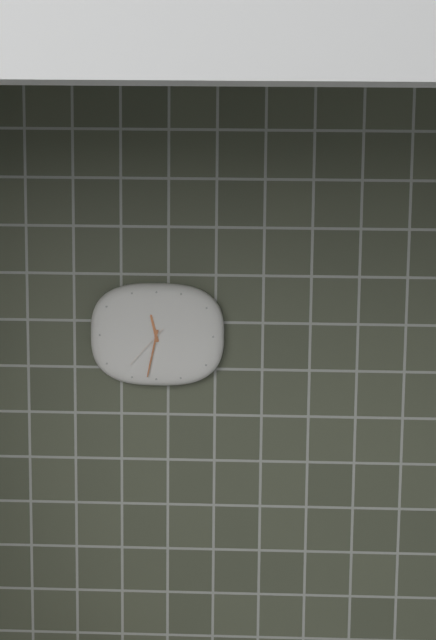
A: 11 h 32 min
